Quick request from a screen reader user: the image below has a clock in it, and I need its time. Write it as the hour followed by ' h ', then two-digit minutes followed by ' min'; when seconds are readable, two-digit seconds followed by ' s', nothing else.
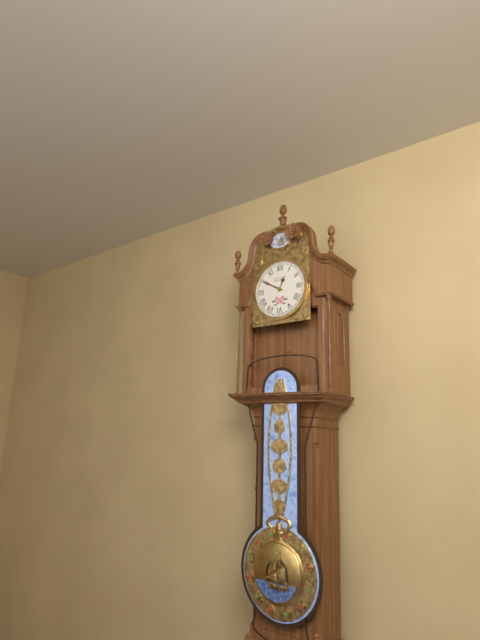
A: 12 h 50 min
